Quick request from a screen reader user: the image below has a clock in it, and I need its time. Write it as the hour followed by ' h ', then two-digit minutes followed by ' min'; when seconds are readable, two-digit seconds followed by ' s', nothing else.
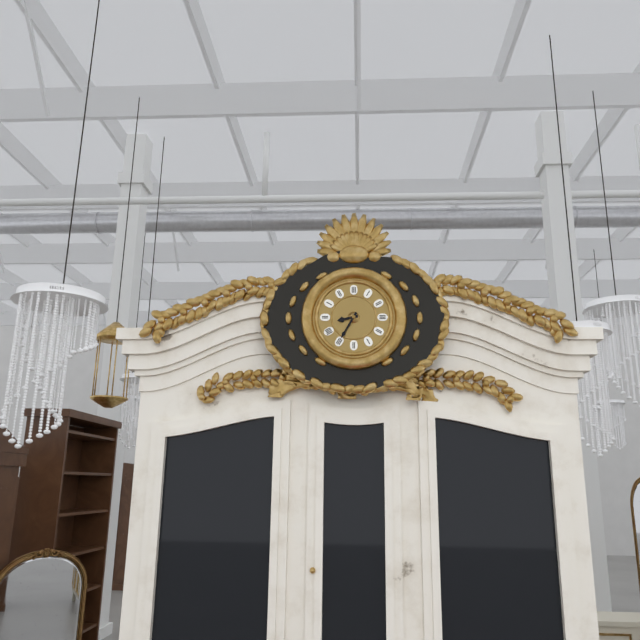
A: 8 h 35 min
